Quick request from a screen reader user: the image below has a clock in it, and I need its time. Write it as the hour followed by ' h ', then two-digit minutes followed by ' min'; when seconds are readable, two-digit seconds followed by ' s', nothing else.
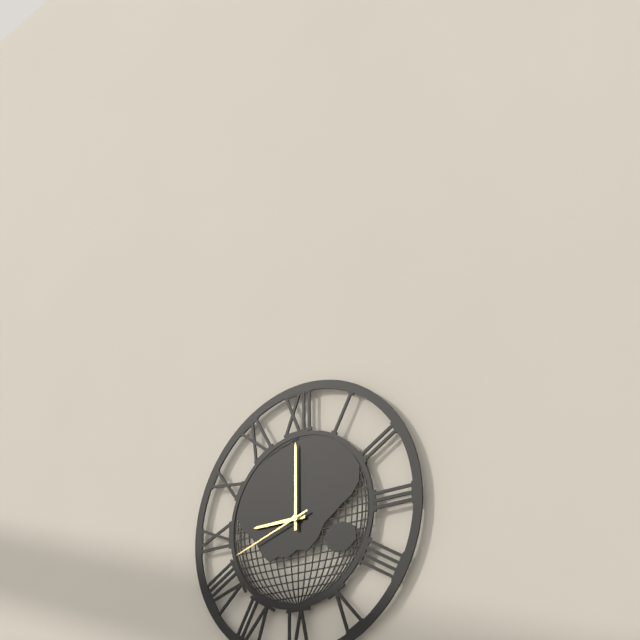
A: 9 h 00 min 42 s
